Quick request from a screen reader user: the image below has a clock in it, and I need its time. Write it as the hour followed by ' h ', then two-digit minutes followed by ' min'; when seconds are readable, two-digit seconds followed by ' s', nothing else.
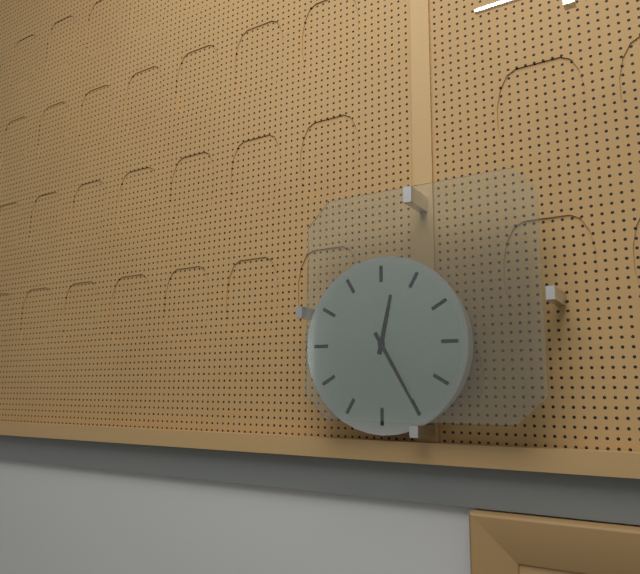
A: 12 h 25 min
